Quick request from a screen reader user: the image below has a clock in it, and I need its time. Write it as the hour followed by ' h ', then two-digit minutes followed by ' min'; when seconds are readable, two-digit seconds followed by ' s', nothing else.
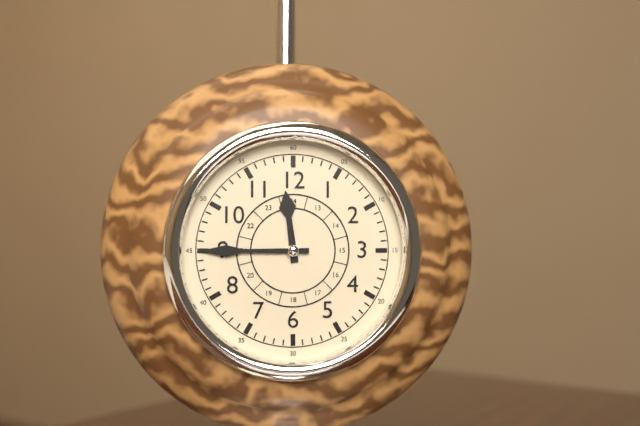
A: 11 h 45 min
